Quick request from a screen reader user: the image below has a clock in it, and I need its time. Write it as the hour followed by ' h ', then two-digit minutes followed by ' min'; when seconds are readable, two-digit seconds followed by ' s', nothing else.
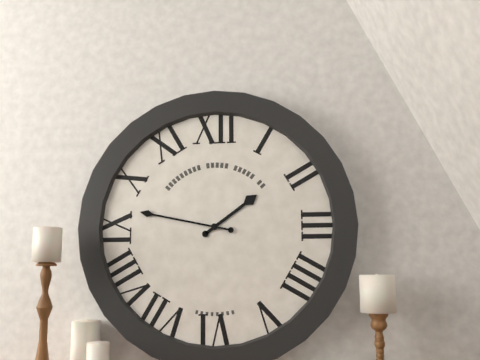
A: 1 h 47 min
